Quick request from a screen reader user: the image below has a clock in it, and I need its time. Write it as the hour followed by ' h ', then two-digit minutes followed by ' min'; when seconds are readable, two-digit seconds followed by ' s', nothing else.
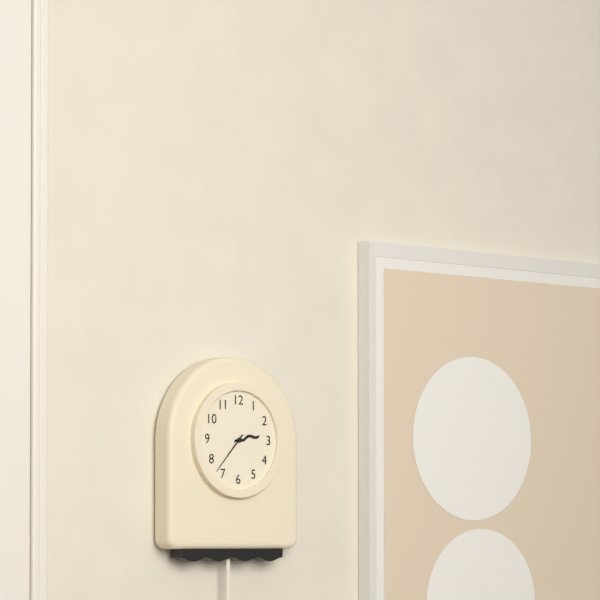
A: 2 h 37 min
